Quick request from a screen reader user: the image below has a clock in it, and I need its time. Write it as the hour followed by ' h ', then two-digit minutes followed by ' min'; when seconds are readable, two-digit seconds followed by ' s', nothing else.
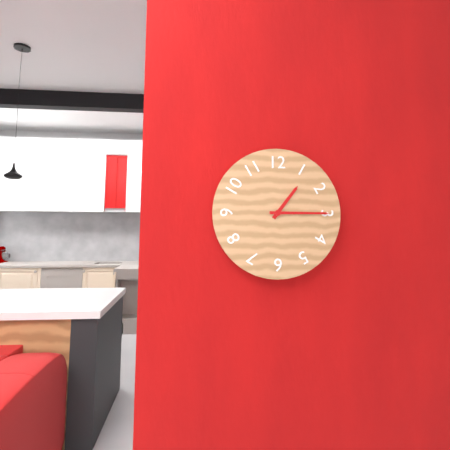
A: 1 h 15 min
